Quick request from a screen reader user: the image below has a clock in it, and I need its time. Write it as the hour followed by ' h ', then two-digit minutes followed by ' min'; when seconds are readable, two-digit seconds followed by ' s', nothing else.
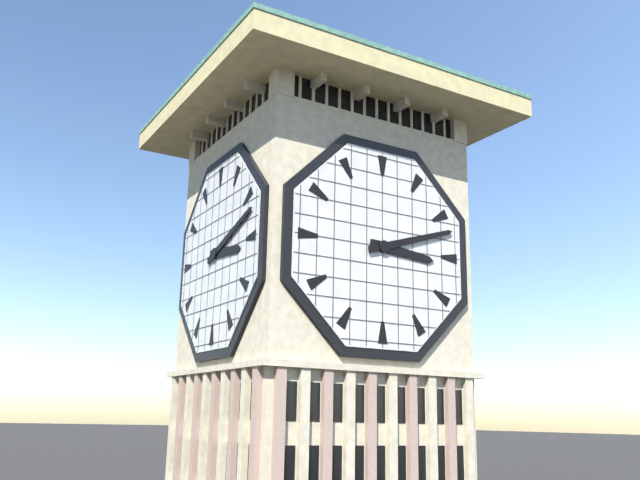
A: 3 h 12 min
